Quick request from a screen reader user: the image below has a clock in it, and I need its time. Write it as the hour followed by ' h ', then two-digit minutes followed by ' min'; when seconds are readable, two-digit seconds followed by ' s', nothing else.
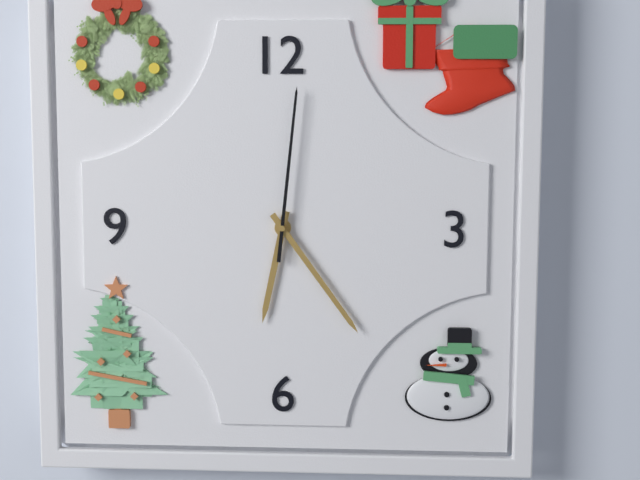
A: 6 h 24 min 01 s
